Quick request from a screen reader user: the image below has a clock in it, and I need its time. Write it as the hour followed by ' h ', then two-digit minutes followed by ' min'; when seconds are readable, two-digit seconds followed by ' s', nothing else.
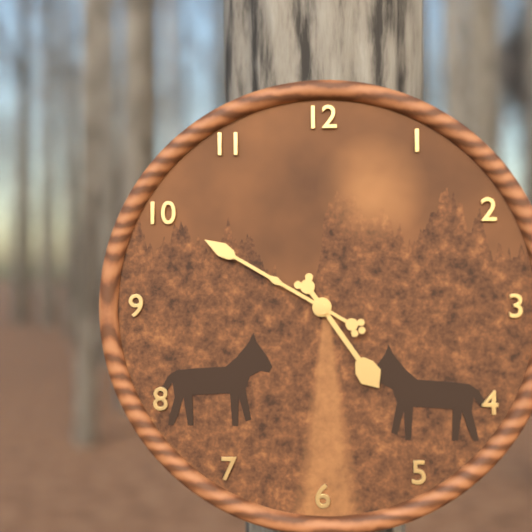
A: 4 h 50 min
